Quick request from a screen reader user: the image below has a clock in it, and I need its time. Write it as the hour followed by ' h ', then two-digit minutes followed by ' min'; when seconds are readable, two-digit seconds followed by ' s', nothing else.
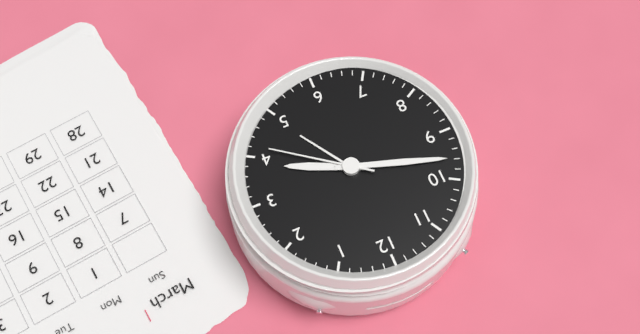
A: 3 h 48 min 21 s
